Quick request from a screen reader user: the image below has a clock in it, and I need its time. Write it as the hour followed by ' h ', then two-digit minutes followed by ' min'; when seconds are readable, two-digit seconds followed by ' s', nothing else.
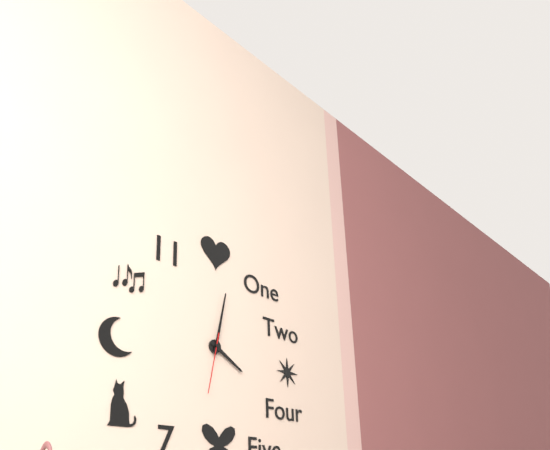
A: 4 h 02 min 32 s
